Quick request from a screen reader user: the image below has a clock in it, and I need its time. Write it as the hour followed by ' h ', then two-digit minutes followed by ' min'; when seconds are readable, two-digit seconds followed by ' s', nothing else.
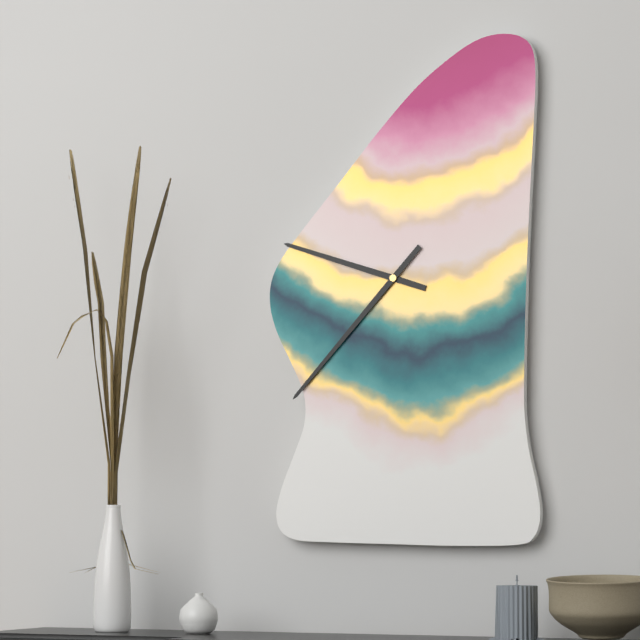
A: 9 h 37 min
